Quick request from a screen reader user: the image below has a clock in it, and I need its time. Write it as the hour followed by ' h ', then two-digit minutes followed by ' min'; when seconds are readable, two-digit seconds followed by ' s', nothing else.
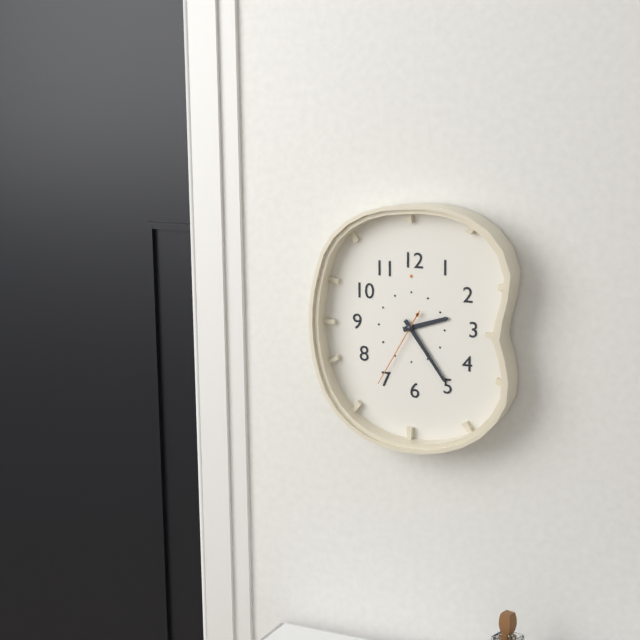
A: 2 h 24 min 35 s
